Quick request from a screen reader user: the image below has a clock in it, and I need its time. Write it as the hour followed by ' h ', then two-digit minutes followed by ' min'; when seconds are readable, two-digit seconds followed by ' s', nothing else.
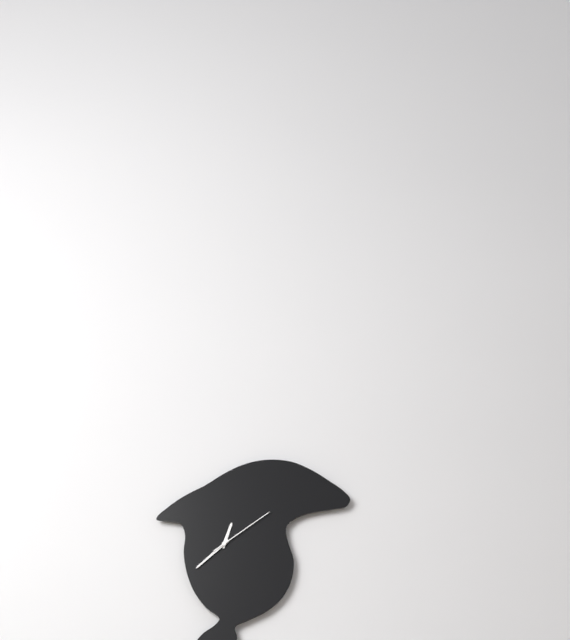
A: 12 h 38 min 09 s
